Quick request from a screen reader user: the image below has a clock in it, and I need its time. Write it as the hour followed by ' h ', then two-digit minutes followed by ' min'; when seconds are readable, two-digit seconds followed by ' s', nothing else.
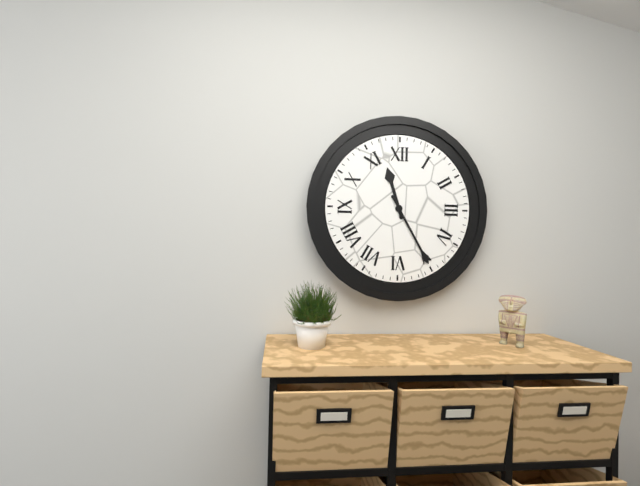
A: 11 h 25 min
